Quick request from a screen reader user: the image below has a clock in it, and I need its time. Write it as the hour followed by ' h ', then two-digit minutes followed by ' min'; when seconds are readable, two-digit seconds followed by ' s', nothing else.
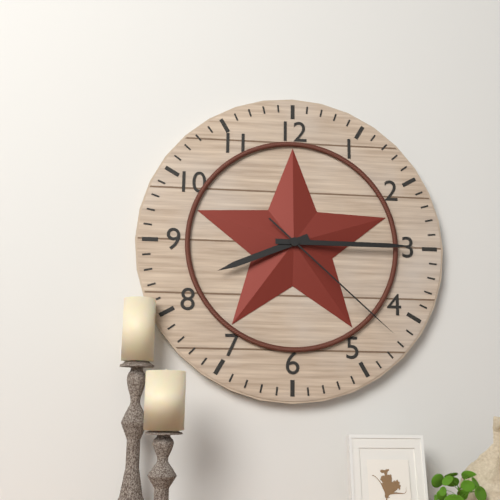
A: 8 h 15 min 22 s
